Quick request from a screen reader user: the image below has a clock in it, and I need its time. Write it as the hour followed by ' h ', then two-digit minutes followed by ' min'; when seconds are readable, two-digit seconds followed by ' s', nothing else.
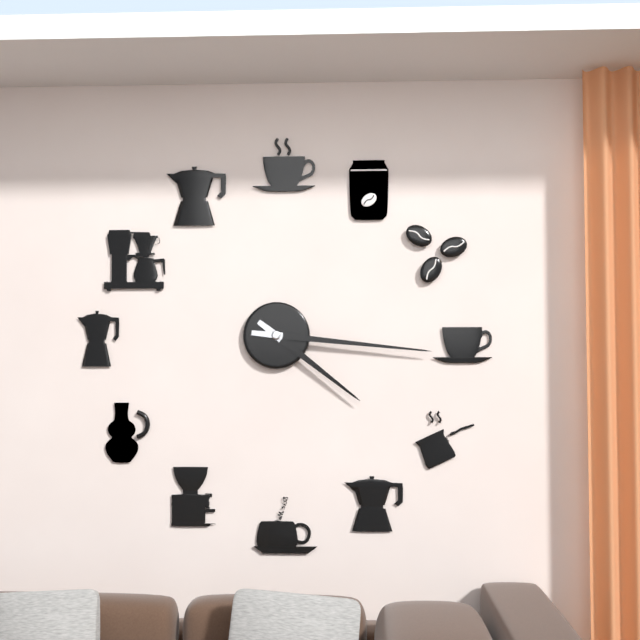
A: 4 h 16 min
